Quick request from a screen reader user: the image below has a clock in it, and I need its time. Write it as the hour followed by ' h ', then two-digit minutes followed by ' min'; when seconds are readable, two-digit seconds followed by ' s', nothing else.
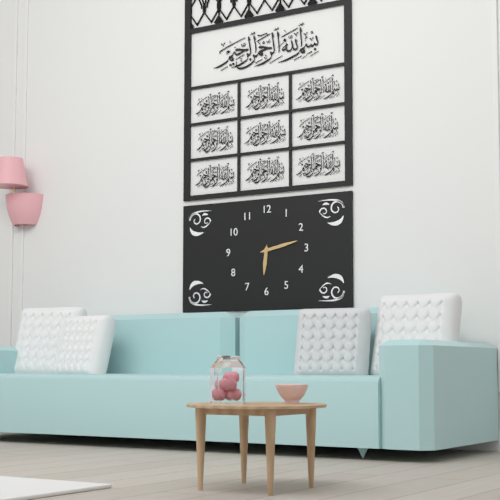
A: 6 h 13 min
